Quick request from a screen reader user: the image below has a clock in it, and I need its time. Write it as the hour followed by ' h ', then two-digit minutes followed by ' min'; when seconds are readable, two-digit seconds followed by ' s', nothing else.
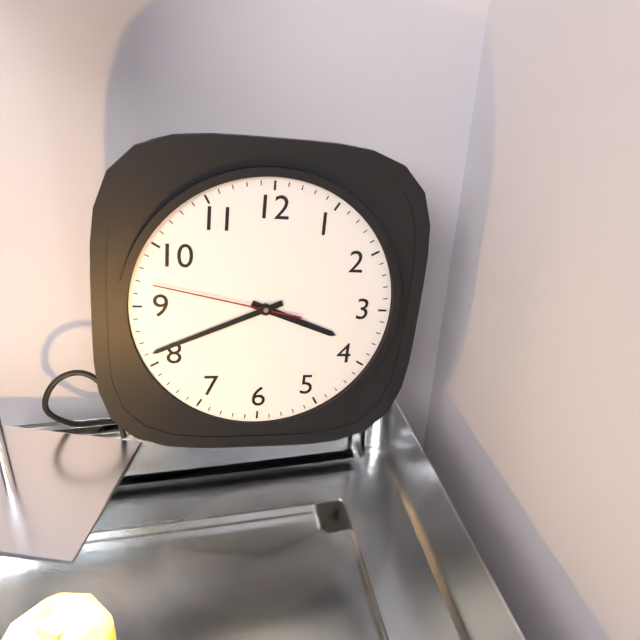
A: 3 h 41 min 47 s
